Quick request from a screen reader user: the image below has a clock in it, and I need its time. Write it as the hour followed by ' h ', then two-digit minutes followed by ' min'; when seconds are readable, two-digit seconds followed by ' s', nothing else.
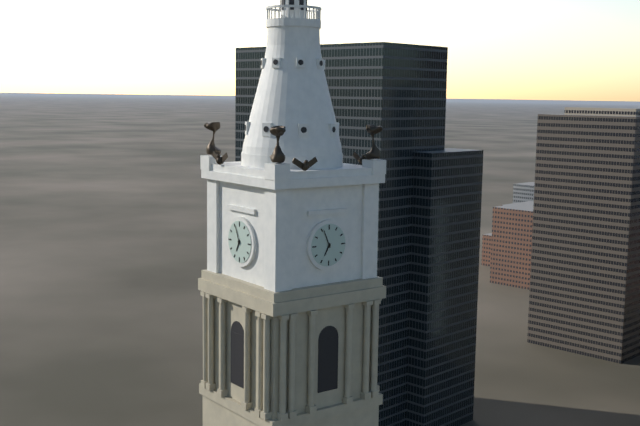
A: 6 h 56 min
